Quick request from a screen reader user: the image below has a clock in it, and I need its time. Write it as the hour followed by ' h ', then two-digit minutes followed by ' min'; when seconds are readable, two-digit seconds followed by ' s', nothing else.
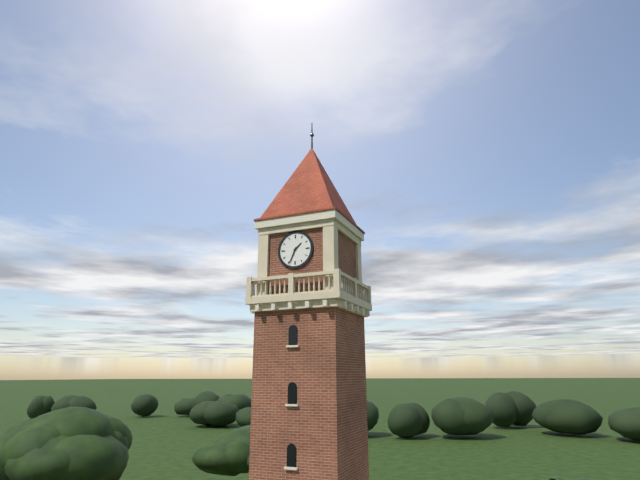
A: 1 h 34 min
